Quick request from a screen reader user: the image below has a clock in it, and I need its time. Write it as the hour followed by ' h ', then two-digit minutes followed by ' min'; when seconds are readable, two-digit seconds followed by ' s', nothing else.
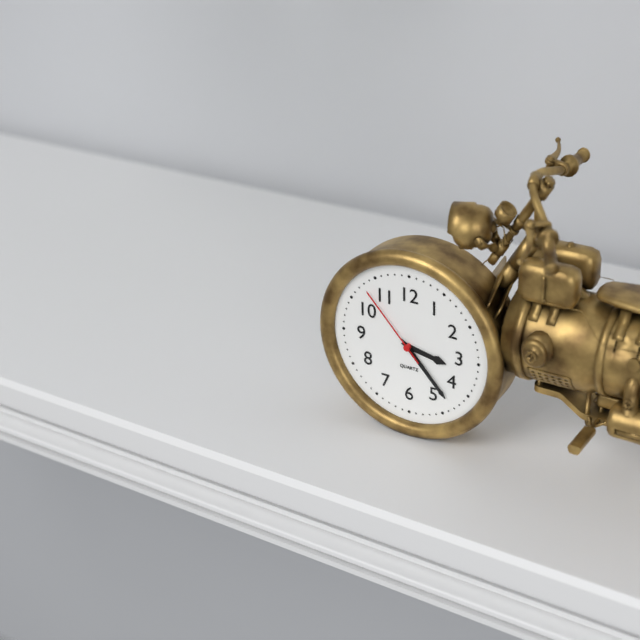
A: 3 h 23 min 53 s
